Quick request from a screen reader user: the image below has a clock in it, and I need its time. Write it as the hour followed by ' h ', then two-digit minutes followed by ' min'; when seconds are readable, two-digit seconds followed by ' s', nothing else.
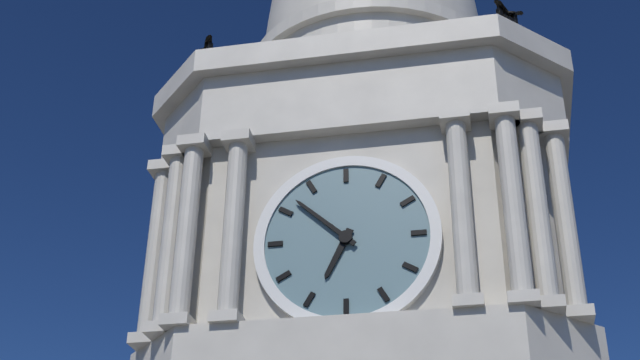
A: 6 h 52 min
